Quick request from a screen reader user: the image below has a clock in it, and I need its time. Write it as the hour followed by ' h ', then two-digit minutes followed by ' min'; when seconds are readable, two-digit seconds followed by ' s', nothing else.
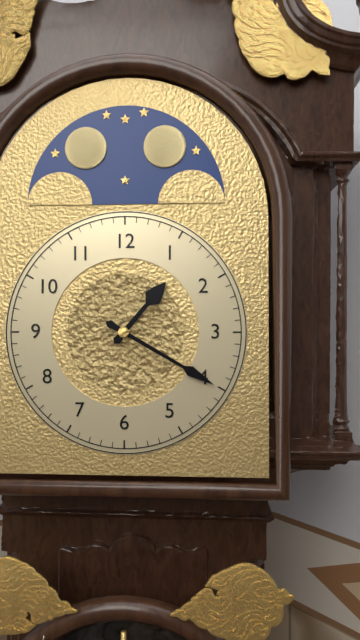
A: 1 h 20 min
